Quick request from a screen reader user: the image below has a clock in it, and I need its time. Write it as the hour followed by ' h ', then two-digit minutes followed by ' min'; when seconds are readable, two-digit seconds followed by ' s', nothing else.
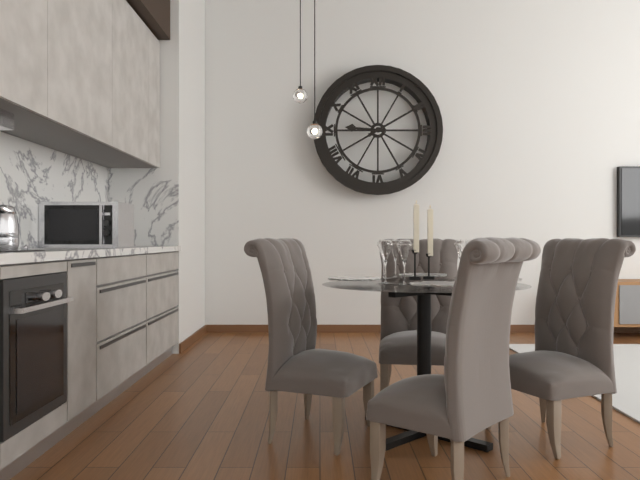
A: 9 h 10 min
